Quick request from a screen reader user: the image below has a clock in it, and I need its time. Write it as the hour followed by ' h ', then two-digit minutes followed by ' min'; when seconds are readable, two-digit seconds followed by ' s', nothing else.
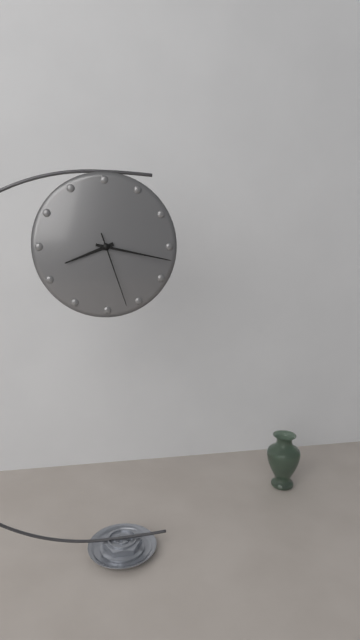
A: 8 h 17 min 27 s
